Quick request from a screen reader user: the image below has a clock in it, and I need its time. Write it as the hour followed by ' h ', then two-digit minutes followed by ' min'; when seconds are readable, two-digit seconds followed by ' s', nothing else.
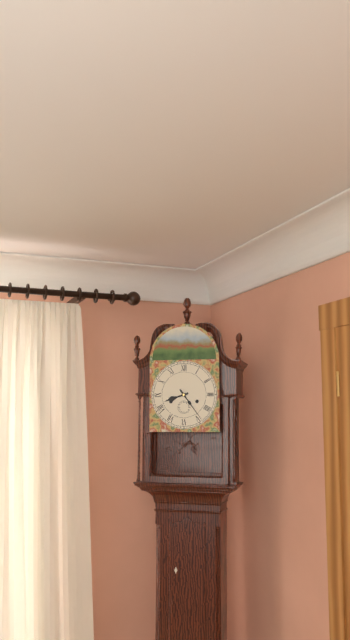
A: 8 h 24 min
